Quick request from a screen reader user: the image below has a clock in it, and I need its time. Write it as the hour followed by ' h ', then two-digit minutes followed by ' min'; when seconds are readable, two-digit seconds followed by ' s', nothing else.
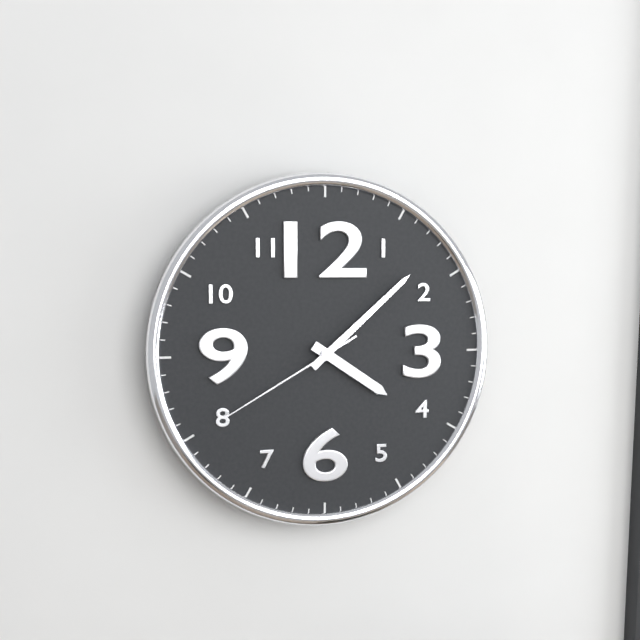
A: 4 h 08 min 40 s
